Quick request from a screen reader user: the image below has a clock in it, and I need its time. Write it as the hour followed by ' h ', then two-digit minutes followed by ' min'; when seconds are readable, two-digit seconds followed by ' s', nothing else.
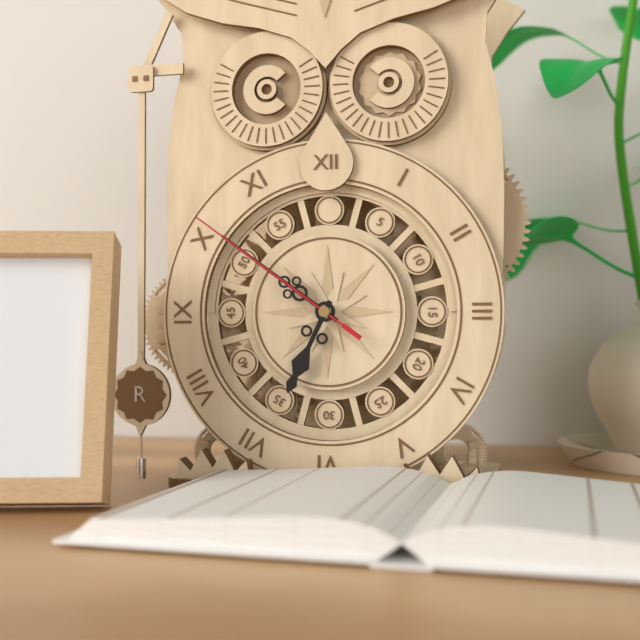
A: 6 h 51 min 51 s
